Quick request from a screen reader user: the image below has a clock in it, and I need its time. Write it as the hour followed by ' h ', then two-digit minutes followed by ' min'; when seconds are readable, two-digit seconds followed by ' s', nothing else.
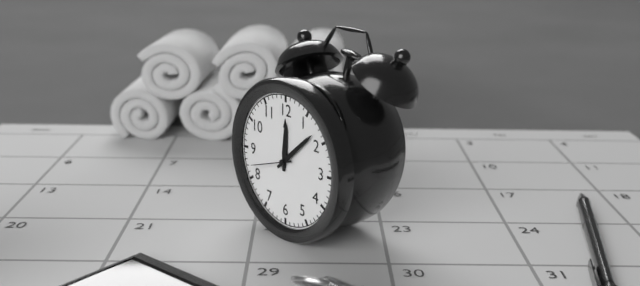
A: 12 h 08 min
